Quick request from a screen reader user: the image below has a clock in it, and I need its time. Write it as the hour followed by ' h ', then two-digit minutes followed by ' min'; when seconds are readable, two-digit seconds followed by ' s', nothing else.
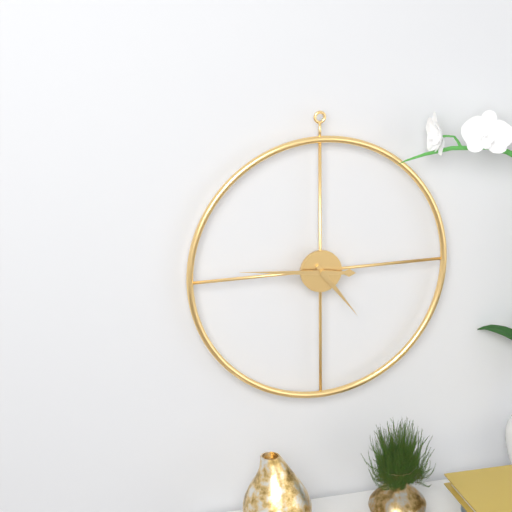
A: 4 h 46 min
